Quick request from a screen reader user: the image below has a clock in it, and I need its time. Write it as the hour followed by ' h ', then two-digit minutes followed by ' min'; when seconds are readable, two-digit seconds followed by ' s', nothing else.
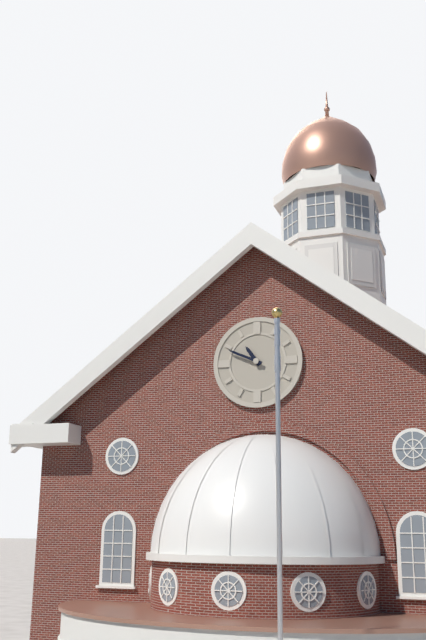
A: 10 h 49 min
